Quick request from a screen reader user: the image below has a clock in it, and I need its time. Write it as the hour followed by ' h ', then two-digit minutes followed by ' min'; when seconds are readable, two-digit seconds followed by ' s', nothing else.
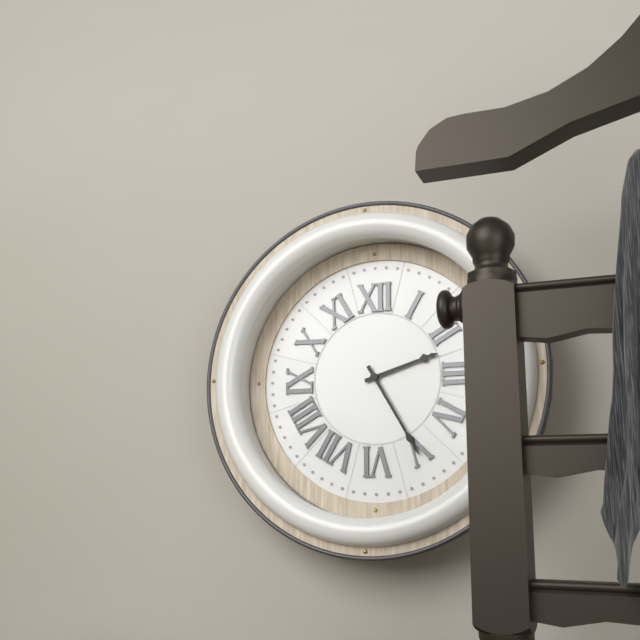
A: 2 h 25 min
